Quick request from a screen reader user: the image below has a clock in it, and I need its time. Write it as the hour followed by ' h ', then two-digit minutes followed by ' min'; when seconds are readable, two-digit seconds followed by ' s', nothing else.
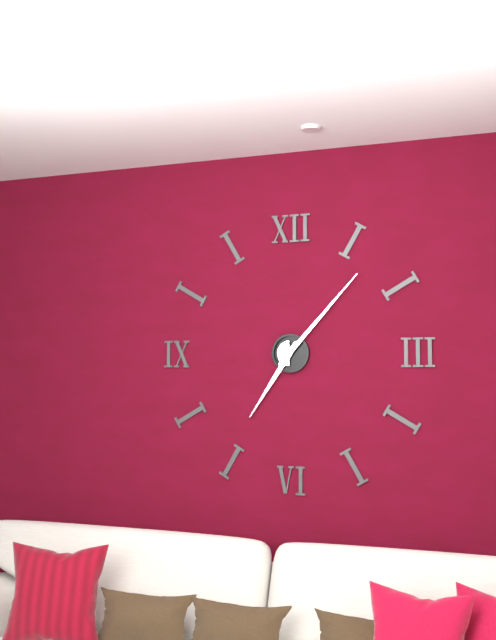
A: 7 h 07 min
